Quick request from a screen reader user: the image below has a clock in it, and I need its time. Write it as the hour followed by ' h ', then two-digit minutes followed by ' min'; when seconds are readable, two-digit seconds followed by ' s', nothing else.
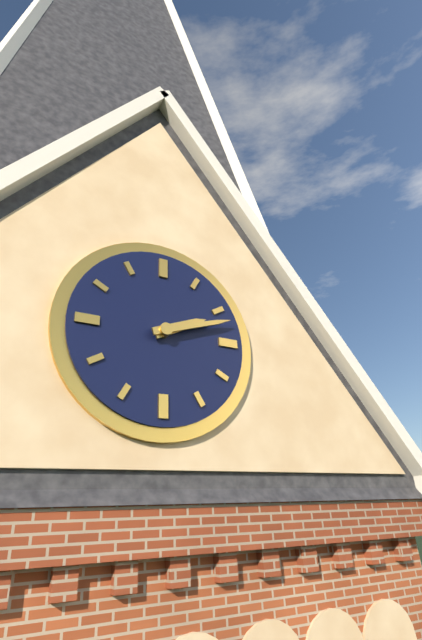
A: 2 h 12 min
